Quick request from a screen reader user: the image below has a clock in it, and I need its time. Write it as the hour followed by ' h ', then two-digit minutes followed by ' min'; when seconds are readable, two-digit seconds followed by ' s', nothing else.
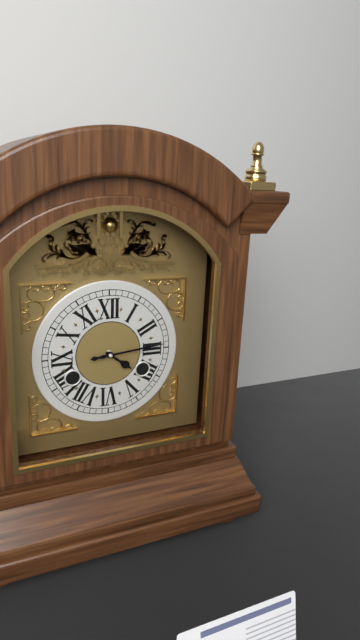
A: 4 h 14 min
